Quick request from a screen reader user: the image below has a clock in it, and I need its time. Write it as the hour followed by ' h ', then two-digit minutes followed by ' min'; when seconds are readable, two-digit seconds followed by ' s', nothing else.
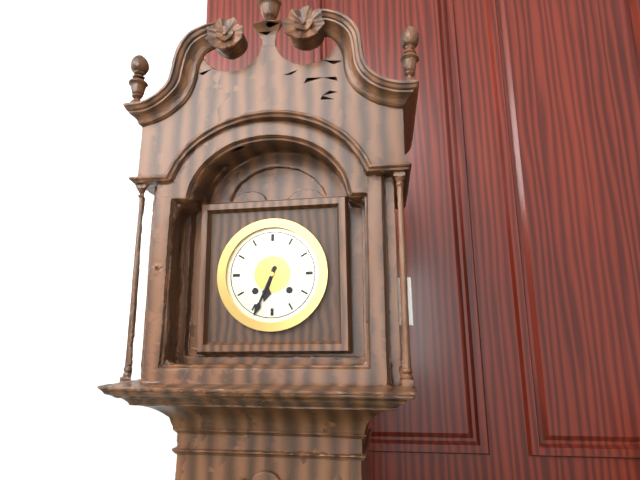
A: 6 h 34 min
